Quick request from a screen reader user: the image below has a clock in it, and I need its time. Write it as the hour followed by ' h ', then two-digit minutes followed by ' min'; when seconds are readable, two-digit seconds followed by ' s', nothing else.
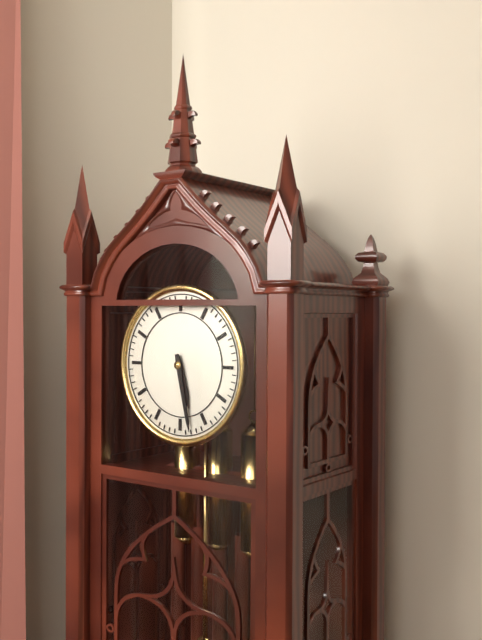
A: 5 h 28 min
